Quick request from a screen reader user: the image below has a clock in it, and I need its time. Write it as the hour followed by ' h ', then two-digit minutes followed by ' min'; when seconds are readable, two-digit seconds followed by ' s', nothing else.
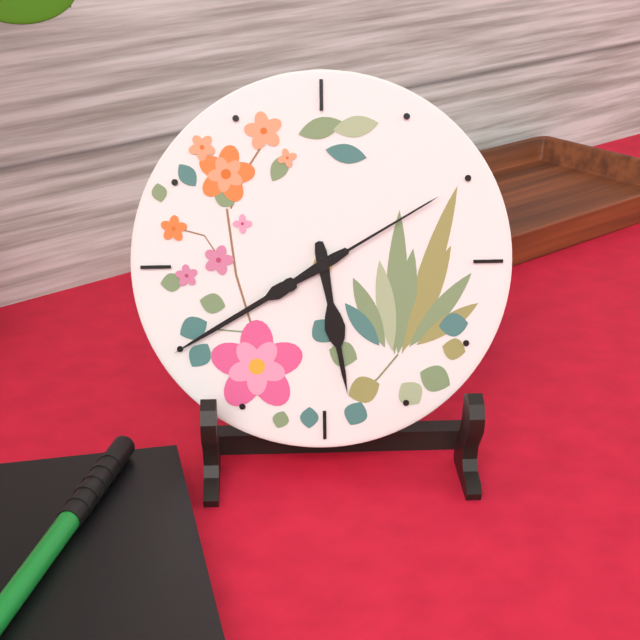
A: 5 h 40 min 10 s
